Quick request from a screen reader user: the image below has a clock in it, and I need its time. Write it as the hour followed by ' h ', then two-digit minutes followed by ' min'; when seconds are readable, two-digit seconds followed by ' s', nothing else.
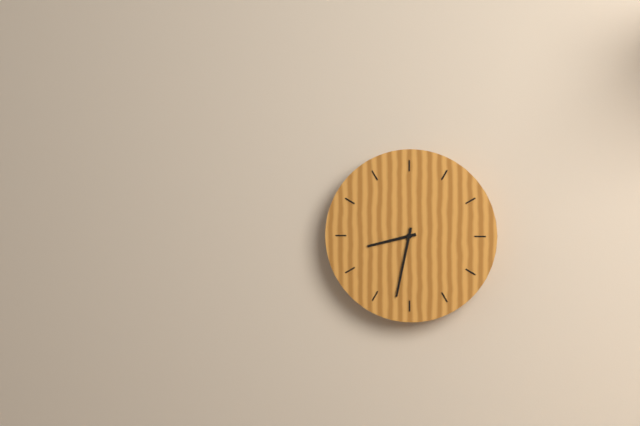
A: 8 h 32 min
